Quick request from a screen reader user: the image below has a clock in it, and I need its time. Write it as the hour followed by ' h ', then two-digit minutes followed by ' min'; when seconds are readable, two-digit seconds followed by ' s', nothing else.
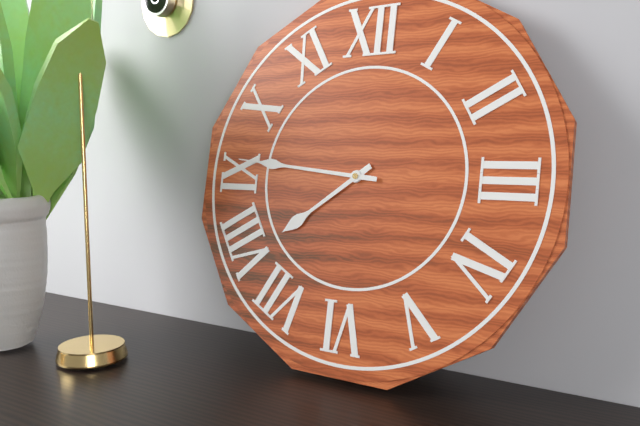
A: 7 h 46 min
